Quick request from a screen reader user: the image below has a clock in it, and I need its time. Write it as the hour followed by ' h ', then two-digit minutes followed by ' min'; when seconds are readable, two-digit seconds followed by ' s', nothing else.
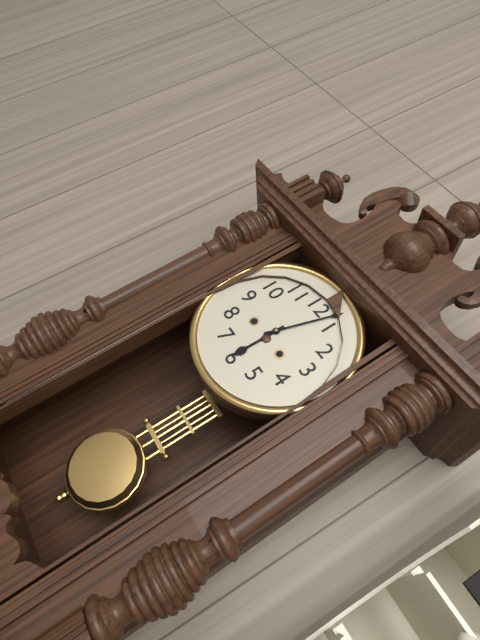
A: 6 h 03 min
